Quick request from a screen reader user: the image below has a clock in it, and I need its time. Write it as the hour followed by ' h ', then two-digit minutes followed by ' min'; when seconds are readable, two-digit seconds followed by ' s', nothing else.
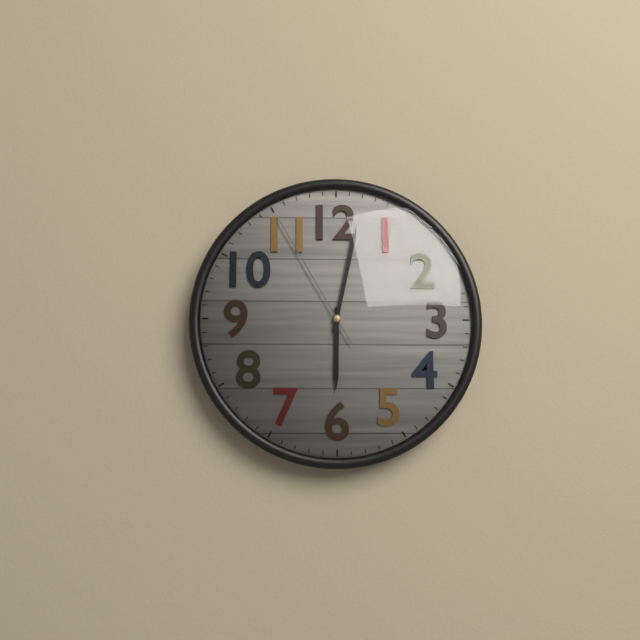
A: 6 h 02 min 55 s
